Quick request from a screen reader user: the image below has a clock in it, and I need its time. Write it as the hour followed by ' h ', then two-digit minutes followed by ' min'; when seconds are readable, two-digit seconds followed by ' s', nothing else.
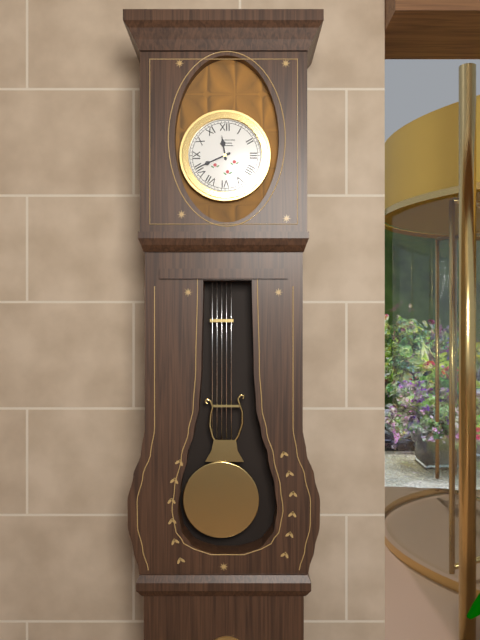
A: 11 h 41 min
